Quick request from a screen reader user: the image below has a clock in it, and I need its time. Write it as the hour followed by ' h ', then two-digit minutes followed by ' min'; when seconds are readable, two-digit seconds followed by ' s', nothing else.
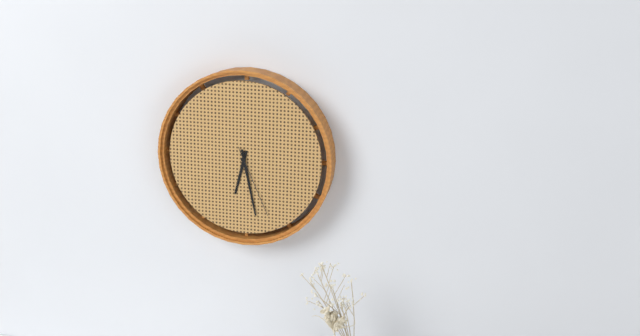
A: 6 h 28 min 26 s
